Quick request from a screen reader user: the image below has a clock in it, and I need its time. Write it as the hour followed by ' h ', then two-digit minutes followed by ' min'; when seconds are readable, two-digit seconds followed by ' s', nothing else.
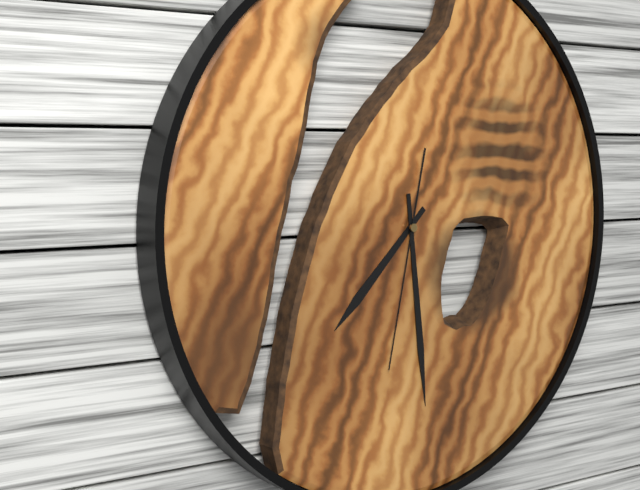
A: 7 h 29 min 32 s
